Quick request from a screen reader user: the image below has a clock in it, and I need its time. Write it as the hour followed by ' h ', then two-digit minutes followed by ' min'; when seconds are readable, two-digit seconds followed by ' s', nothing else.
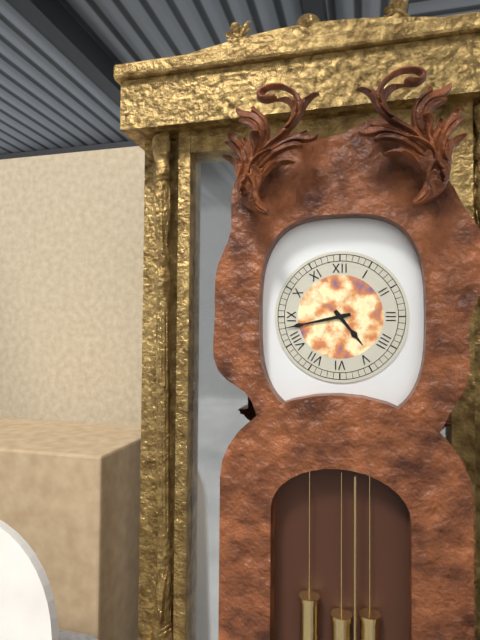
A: 4 h 43 min
